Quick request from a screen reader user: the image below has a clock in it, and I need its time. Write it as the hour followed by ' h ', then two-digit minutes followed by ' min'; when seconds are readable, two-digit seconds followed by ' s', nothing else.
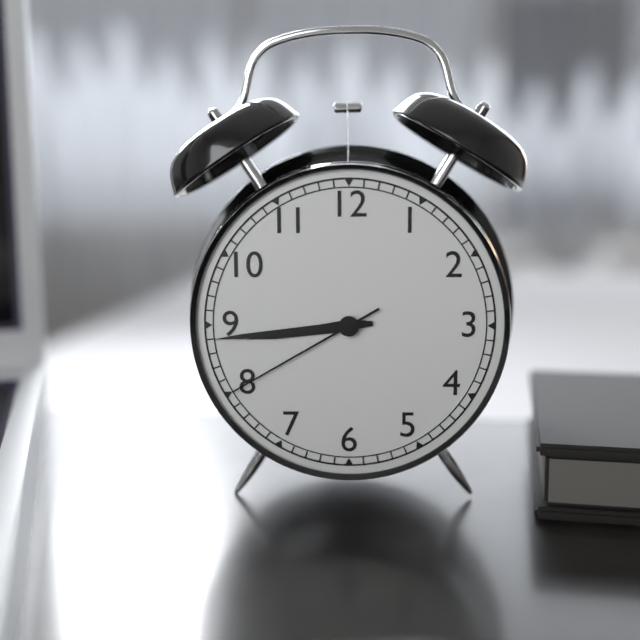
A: 8 h 44 min 40 s
